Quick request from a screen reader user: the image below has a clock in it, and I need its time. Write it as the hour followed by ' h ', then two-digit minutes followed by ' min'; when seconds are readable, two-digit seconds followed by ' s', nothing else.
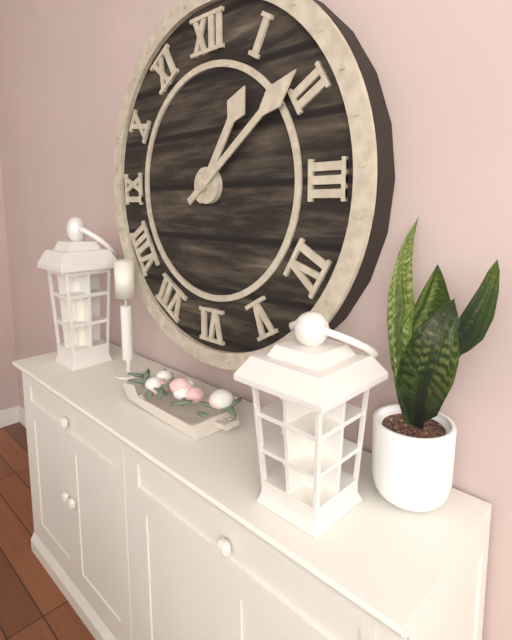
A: 1 h 09 min
